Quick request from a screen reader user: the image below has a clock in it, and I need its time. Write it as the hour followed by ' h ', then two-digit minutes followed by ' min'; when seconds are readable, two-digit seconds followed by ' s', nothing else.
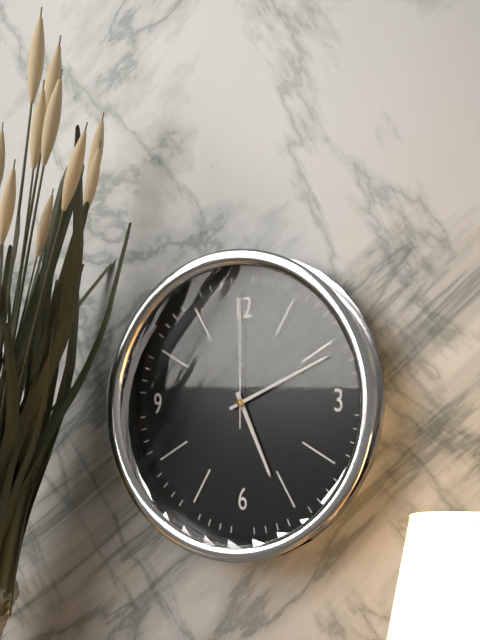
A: 5 h 11 min 00 s
